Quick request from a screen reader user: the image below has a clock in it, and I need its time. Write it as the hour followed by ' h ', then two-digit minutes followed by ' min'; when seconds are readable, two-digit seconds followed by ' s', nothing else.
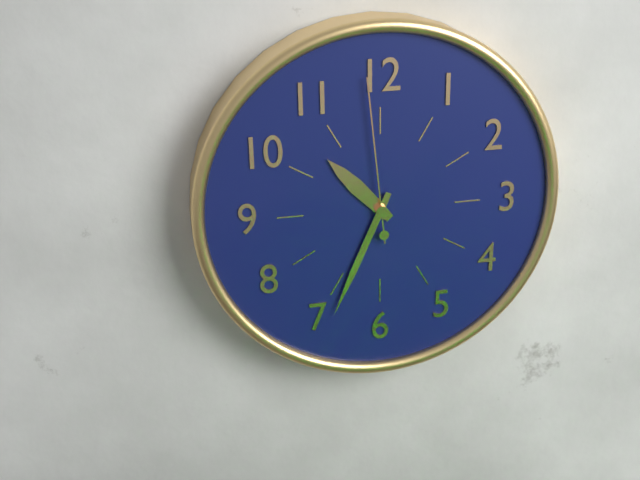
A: 10 h 34 min 59 s
